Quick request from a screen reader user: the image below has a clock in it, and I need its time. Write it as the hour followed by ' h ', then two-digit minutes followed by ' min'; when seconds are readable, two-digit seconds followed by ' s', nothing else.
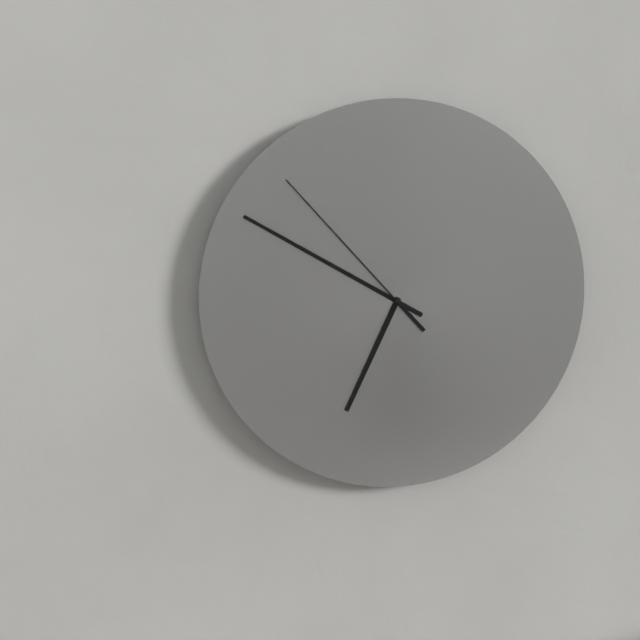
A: 6 h 50 min 53 s
